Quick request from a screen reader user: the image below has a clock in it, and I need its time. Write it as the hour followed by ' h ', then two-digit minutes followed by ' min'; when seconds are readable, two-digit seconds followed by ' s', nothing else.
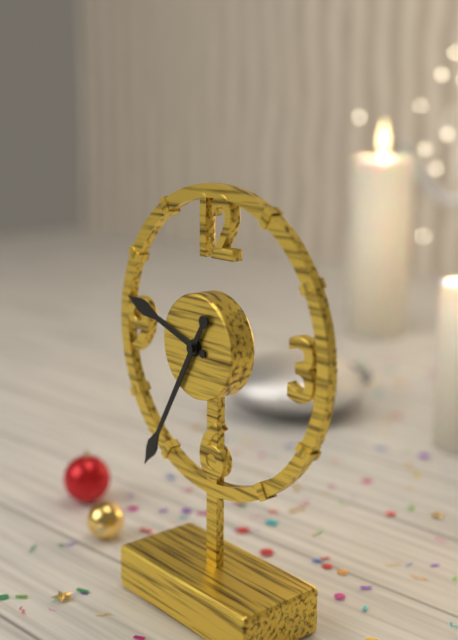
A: 9 h 35 min
